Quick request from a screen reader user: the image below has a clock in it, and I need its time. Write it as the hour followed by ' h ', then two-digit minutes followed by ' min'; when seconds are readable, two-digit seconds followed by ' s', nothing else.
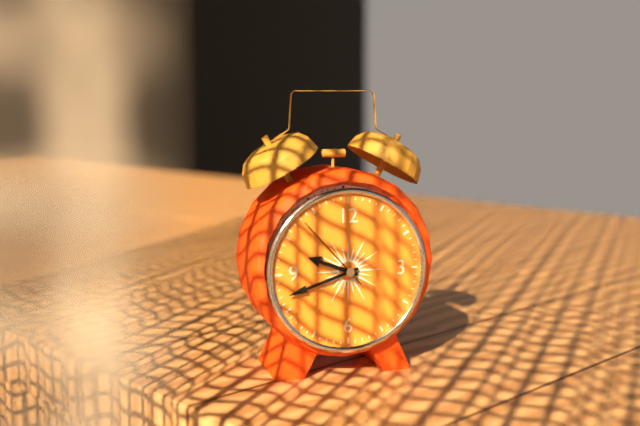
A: 9 h 42 min 53 s
